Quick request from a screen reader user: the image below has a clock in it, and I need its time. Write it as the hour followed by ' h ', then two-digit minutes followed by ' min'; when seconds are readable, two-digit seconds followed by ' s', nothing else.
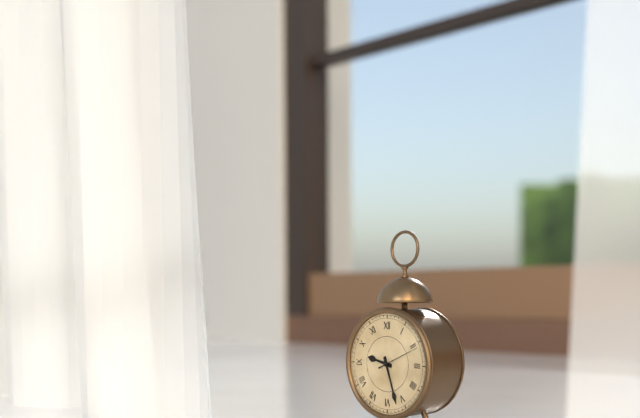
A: 9 h 27 min
